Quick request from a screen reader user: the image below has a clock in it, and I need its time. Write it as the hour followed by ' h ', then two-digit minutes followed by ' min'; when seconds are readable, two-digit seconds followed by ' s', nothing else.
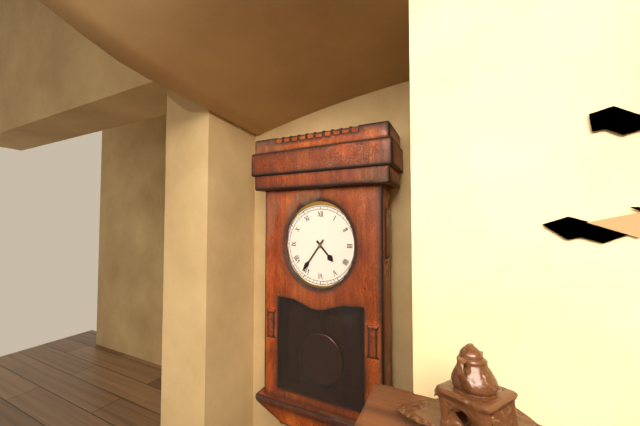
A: 4 h 36 min
